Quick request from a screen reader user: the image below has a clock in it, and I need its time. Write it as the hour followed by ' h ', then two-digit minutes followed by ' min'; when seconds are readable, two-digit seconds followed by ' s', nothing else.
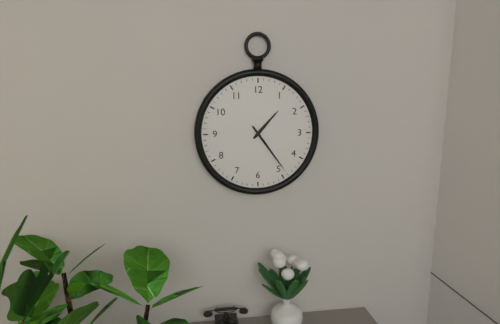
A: 1 h 24 min
